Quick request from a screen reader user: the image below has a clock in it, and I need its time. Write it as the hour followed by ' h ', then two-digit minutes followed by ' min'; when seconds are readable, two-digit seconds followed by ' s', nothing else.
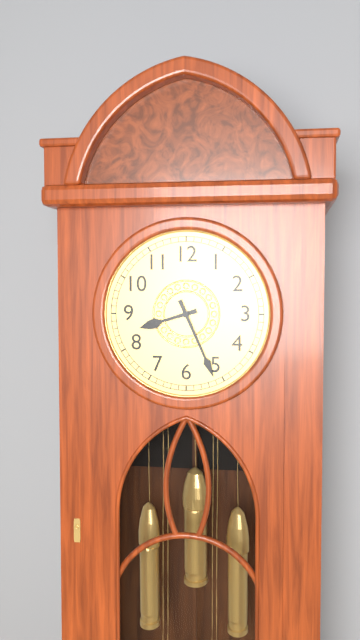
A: 8 h 26 min
